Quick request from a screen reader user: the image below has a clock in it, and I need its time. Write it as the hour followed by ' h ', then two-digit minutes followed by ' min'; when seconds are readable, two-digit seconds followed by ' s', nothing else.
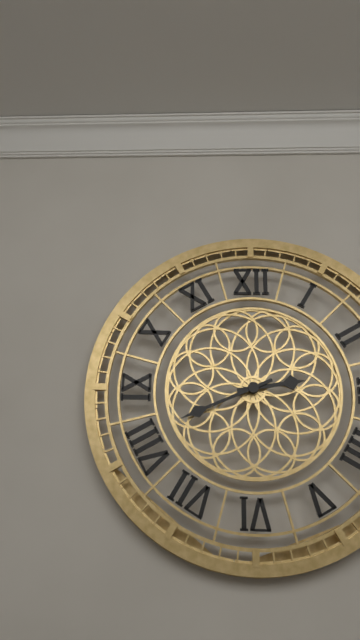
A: 2 h 41 min
